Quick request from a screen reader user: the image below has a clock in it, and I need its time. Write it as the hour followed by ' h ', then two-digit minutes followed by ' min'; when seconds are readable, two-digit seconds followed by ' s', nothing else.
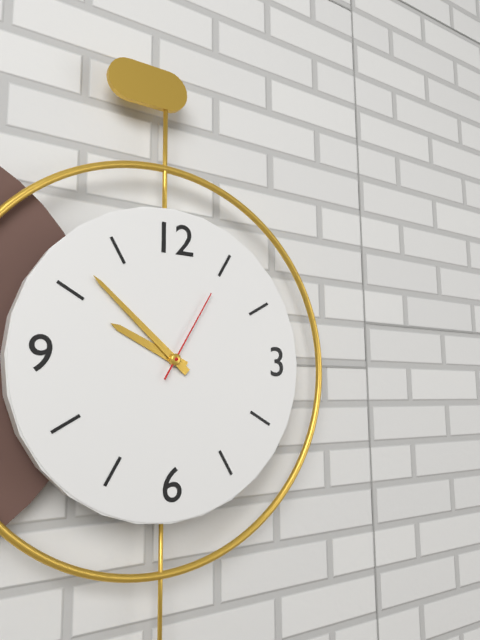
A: 9 h 52 min 05 s
